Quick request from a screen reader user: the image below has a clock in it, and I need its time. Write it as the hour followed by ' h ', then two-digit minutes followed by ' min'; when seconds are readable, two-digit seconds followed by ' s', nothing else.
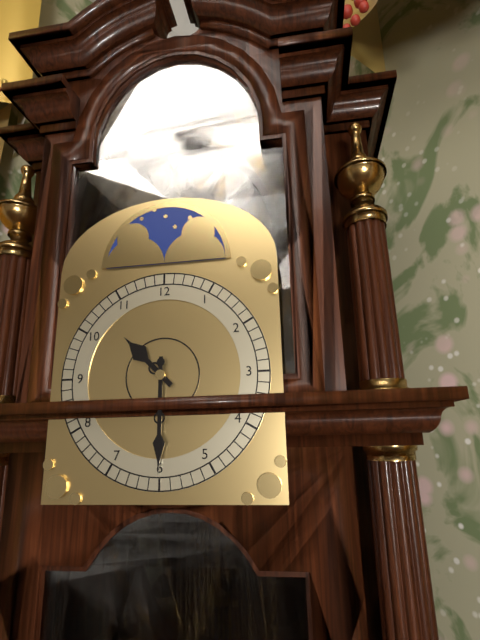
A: 10 h 30 min
